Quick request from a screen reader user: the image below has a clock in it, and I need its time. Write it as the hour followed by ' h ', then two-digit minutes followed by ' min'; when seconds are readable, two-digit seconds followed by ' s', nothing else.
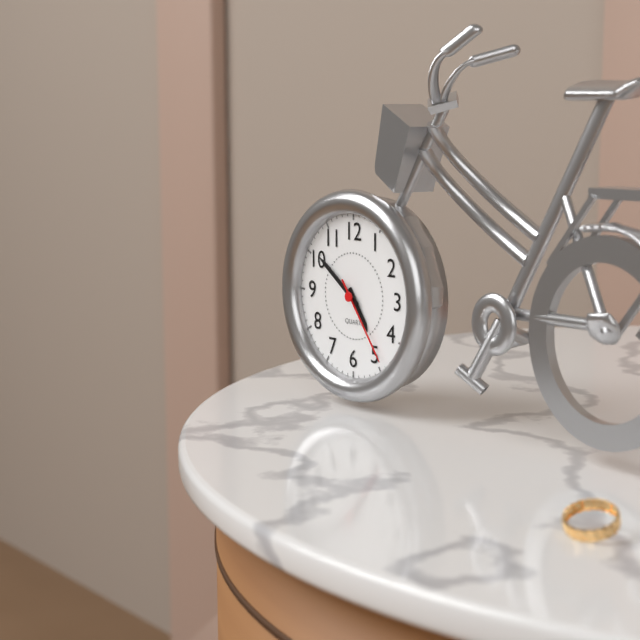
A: 4 h 51 min 24 s
